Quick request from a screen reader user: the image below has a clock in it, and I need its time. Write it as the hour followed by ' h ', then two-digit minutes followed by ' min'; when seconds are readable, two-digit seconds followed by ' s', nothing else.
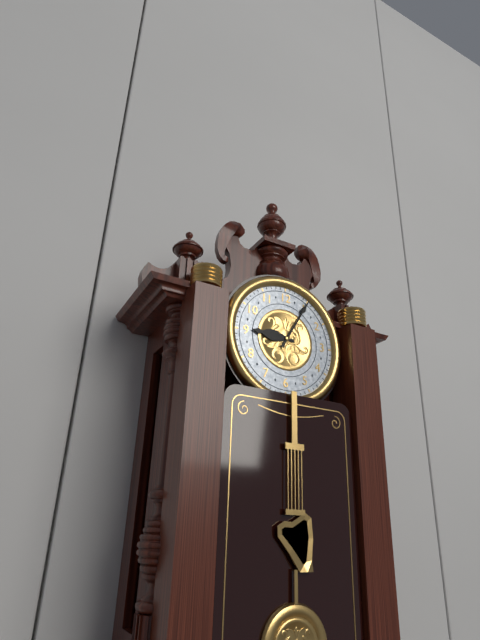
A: 9 h 05 min
